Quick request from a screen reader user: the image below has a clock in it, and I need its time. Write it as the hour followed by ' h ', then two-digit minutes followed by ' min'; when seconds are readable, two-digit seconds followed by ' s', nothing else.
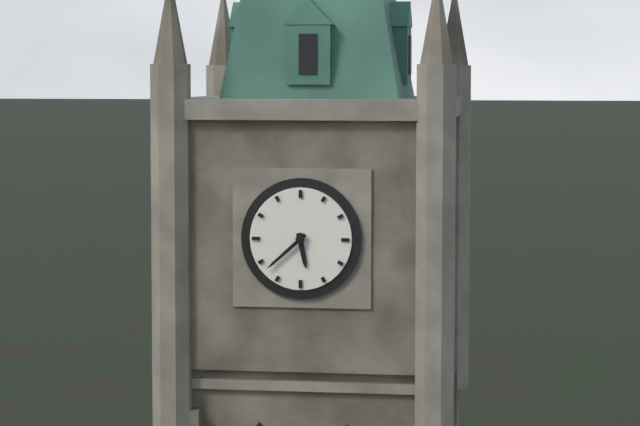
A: 5 h 38 min
